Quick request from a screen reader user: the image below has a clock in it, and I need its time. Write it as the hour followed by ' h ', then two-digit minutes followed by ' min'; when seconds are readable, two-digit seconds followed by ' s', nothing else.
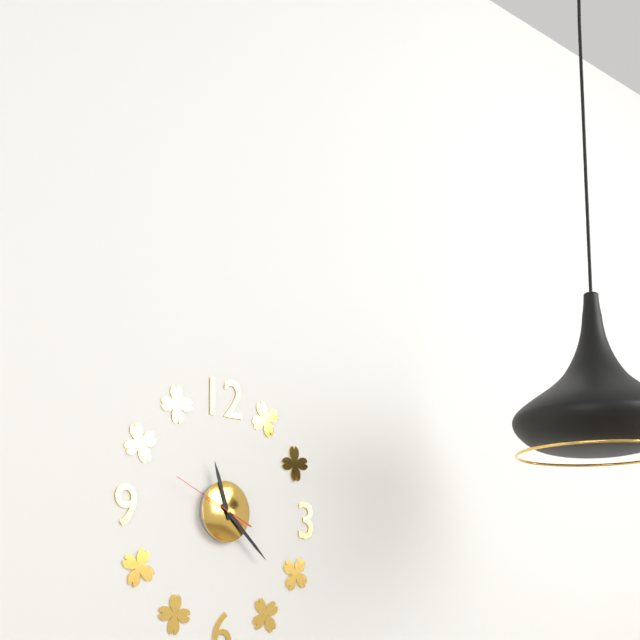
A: 11 h 22 min 49 s
